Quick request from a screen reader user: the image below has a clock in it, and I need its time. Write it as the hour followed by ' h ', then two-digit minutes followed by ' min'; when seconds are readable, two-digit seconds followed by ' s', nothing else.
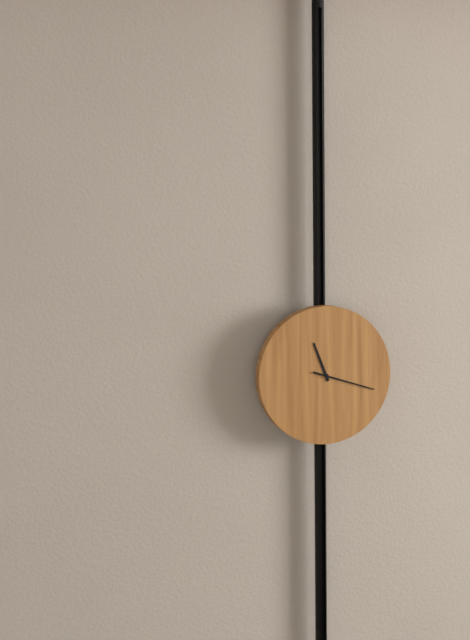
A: 11 h 18 min
